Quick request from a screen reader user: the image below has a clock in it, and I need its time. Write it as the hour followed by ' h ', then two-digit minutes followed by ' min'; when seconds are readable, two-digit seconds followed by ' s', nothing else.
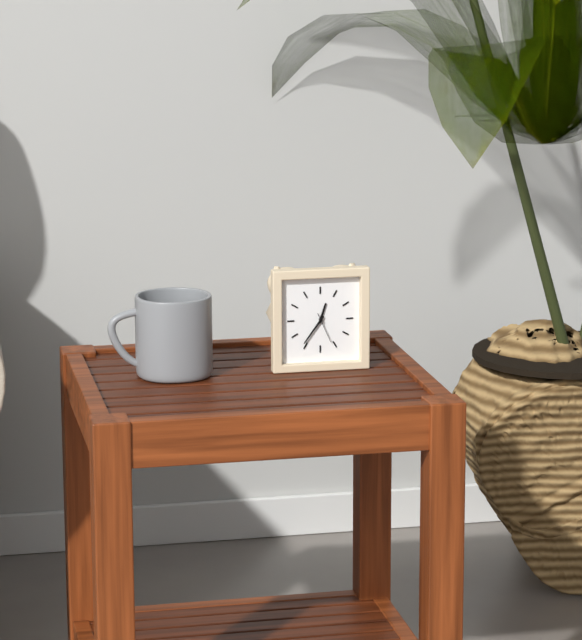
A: 12 h 36 min
